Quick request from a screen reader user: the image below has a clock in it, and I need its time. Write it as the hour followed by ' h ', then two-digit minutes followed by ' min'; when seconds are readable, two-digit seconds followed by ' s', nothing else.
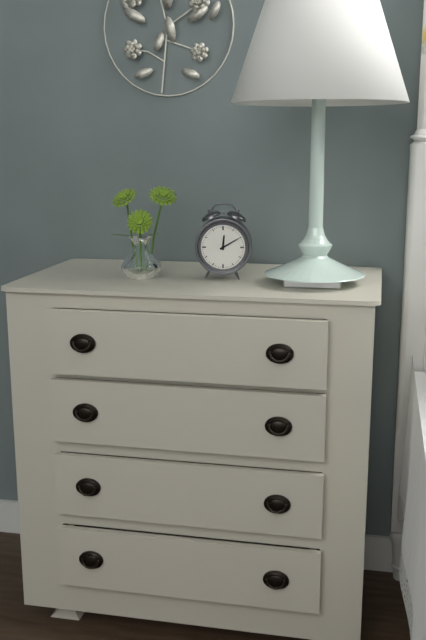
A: 12 h 10 min
